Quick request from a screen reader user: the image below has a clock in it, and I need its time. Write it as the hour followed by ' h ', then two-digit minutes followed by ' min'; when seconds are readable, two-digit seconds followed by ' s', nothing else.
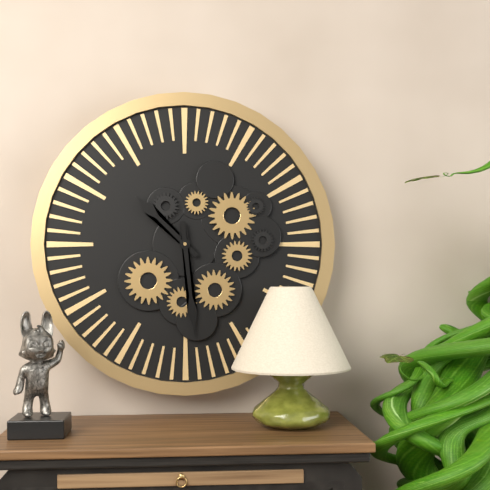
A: 10 h 29 min
